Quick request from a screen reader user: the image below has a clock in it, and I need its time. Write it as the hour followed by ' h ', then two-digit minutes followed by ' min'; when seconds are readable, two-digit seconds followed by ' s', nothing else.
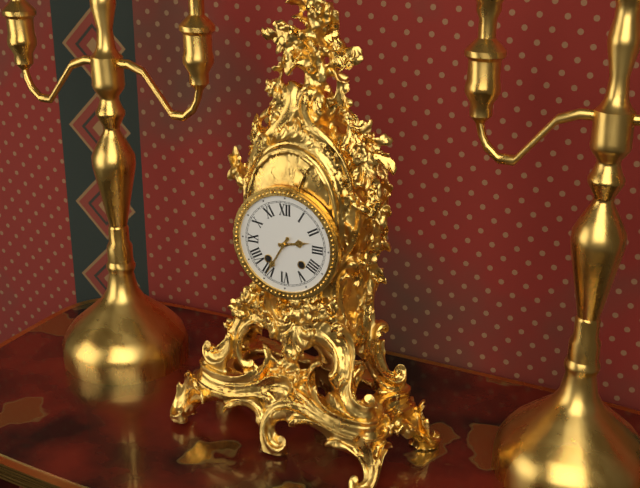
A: 2 h 35 min
